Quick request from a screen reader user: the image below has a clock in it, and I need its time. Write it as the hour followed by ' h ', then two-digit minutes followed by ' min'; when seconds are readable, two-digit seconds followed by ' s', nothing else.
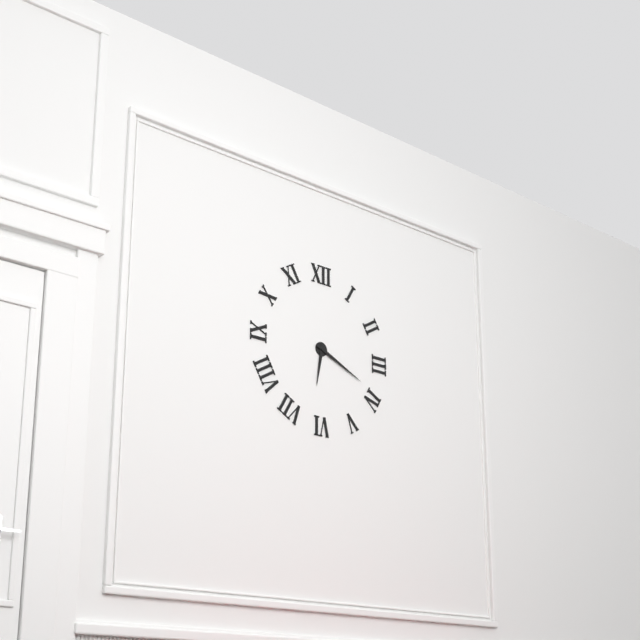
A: 6 h 19 min
